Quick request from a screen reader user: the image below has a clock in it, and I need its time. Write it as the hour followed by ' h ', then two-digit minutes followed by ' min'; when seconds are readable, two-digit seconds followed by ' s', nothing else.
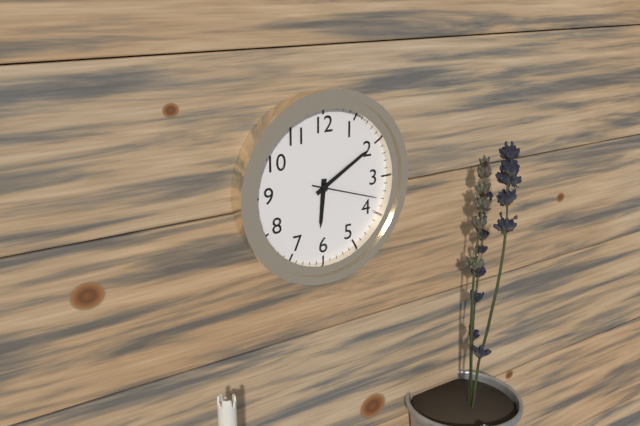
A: 6 h 10 min 18 s
